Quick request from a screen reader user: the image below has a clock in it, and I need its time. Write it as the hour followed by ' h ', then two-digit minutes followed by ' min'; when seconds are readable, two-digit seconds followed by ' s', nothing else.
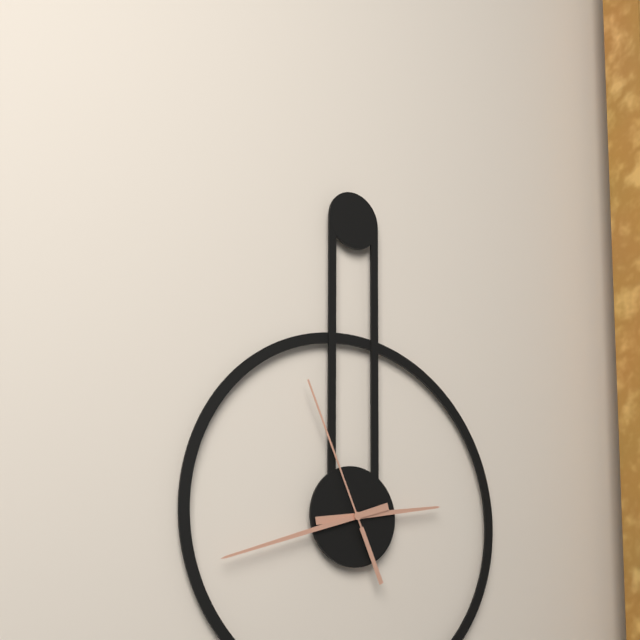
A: 2 h 42 min 56 s
